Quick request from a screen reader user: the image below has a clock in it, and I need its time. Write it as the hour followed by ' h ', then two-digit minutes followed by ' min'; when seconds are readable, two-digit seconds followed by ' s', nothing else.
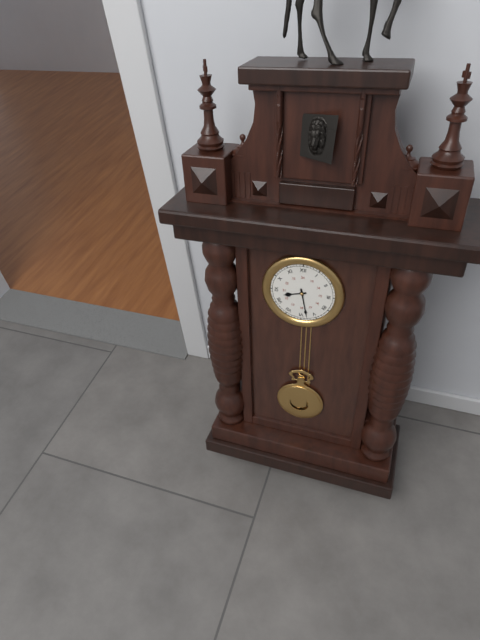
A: 8 h 28 min
